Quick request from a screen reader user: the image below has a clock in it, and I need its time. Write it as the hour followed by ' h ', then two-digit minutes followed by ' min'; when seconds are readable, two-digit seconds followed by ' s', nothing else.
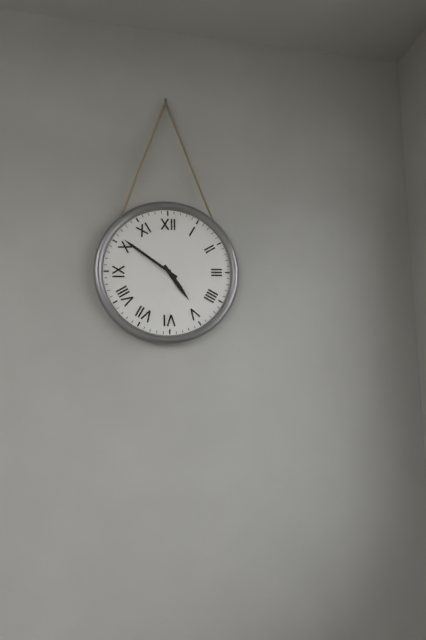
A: 4 h 51 min
